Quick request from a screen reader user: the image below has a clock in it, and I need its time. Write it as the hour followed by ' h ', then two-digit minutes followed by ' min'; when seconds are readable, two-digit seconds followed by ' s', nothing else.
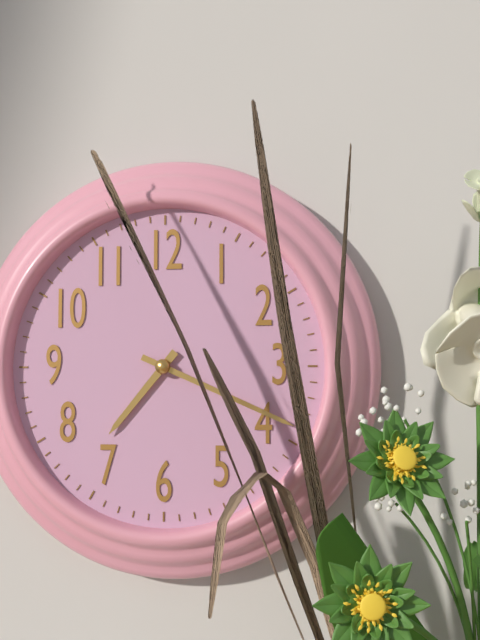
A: 7 h 19 min
